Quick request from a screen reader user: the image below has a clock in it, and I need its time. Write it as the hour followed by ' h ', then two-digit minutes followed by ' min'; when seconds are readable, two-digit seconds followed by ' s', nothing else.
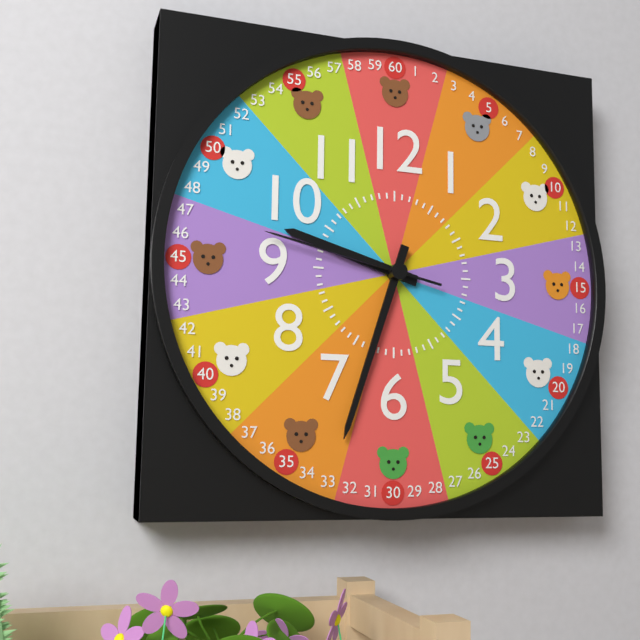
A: 9 h 33 min 47 s
